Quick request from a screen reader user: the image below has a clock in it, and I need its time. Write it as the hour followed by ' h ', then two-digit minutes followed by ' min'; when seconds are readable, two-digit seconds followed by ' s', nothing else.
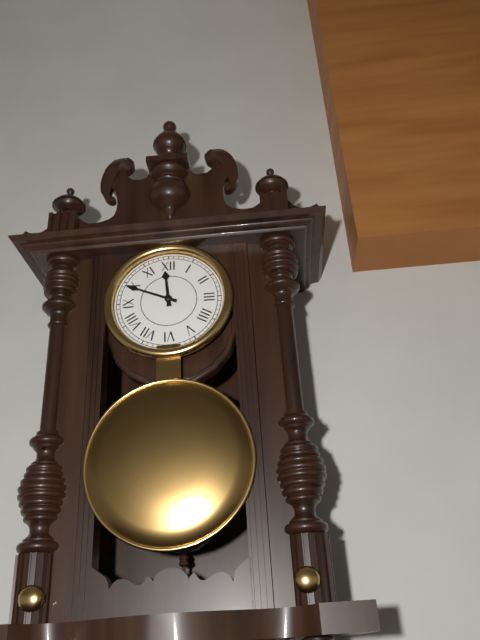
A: 11 h 49 min
